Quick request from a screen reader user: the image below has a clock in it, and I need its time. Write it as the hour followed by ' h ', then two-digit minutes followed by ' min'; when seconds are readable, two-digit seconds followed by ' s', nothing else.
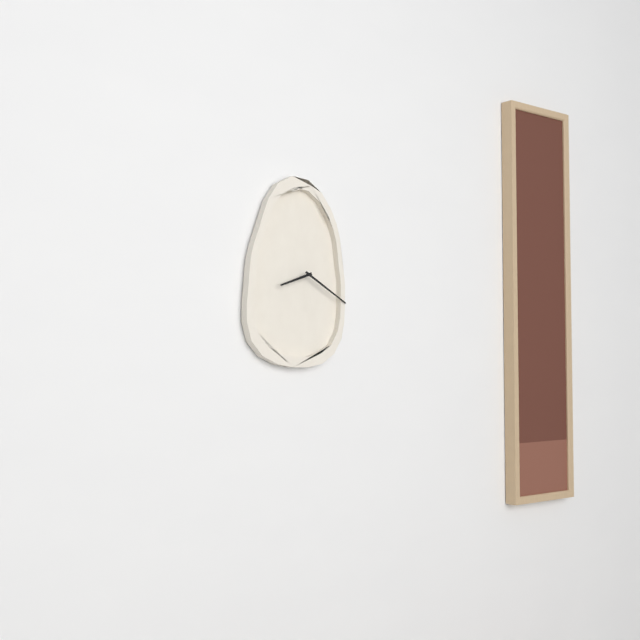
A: 8 h 20 min
